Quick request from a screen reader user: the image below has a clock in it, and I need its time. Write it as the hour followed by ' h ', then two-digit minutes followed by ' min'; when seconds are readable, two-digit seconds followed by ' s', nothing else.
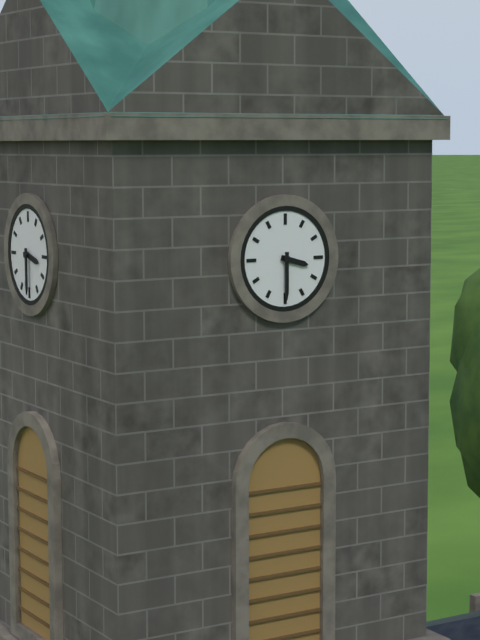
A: 3 h 30 min
